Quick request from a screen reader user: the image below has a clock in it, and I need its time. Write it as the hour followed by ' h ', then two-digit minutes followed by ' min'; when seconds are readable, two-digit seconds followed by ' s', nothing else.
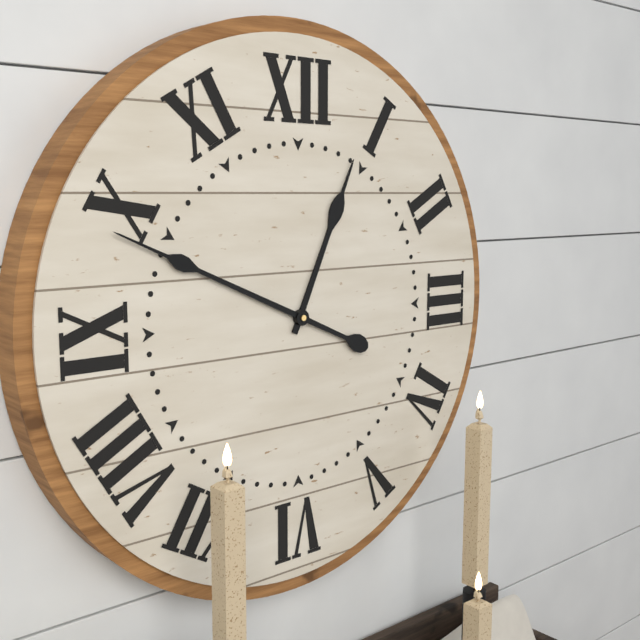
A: 12 h 49 min
